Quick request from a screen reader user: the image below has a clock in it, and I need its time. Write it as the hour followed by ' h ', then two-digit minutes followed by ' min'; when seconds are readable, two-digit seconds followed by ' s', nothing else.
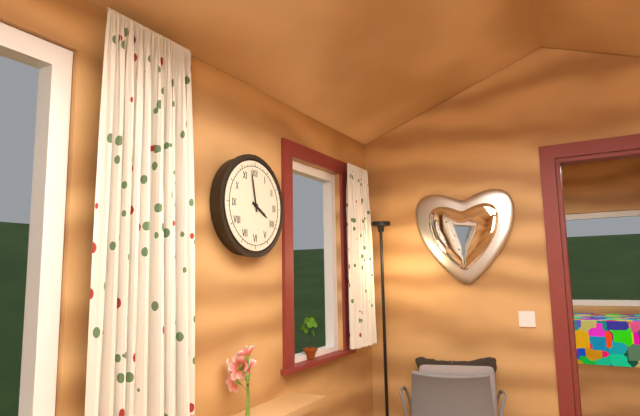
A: 3 h 58 min
